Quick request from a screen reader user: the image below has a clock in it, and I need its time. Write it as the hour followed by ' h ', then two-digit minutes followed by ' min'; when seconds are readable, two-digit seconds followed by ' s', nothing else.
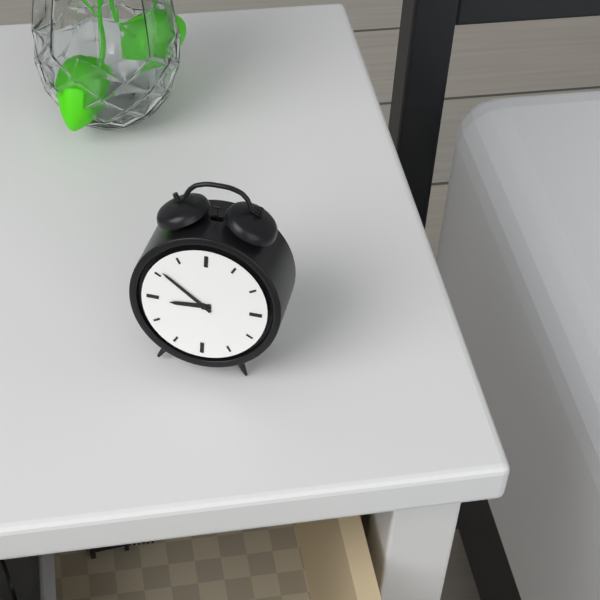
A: 8 h 51 min
